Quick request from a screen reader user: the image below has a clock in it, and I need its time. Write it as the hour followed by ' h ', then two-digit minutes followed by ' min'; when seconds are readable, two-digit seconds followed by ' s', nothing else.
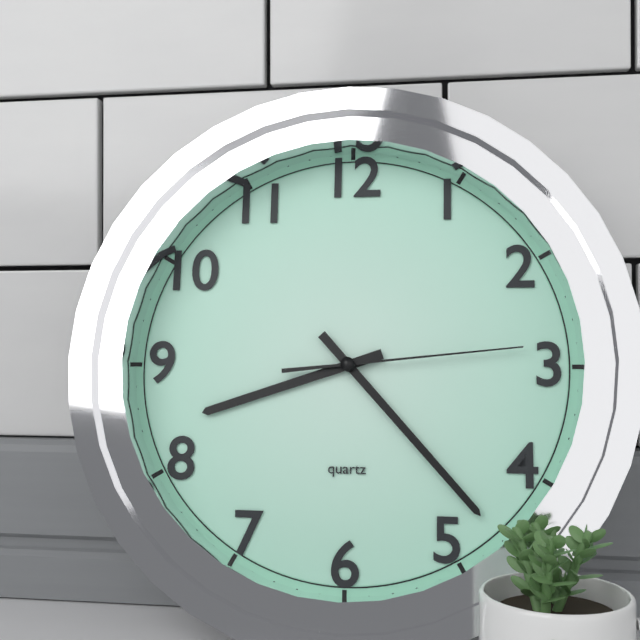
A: 8 h 23 min 14 s
